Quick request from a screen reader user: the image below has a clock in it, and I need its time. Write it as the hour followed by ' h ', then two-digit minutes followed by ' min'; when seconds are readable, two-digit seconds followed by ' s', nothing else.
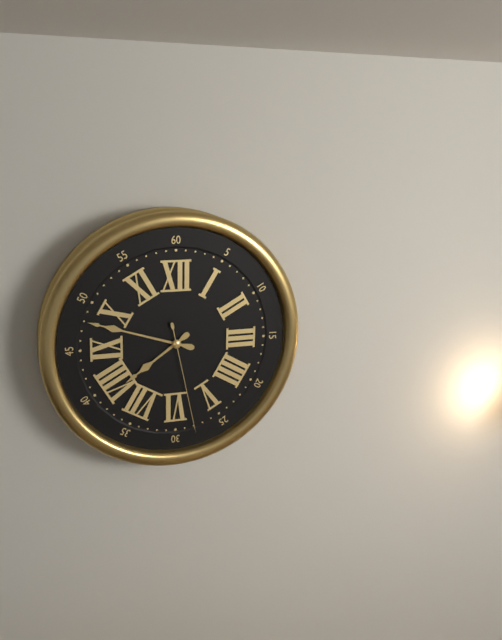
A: 7 h 48 min 28 s
